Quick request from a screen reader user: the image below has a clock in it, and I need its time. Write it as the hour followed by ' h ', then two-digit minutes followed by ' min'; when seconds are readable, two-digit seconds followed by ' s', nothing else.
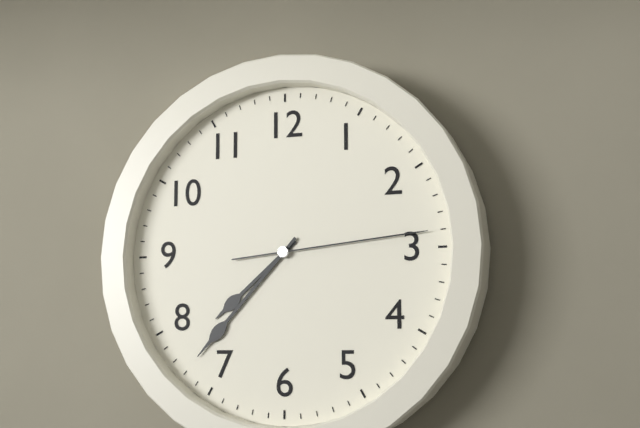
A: 7 h 37 min 14 s
